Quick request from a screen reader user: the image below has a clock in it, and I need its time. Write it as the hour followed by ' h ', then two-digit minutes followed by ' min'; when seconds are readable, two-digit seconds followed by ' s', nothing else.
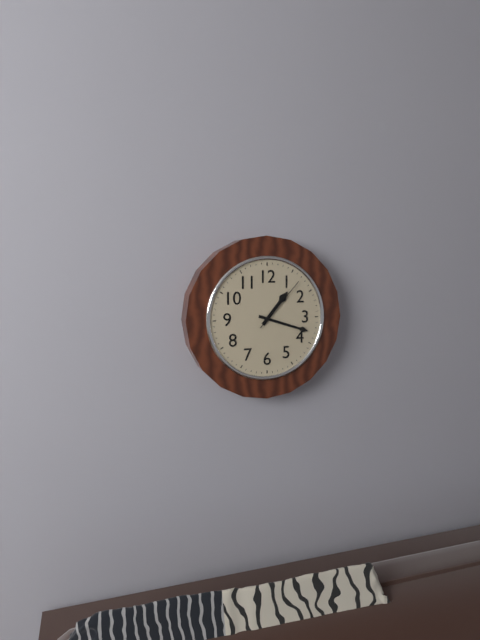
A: 1 h 18 min 07 s
